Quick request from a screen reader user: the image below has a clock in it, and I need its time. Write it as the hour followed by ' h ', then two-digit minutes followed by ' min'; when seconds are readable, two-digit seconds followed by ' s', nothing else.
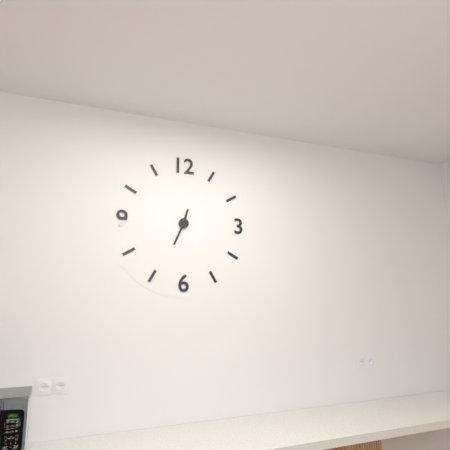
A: 12 h 34 min
